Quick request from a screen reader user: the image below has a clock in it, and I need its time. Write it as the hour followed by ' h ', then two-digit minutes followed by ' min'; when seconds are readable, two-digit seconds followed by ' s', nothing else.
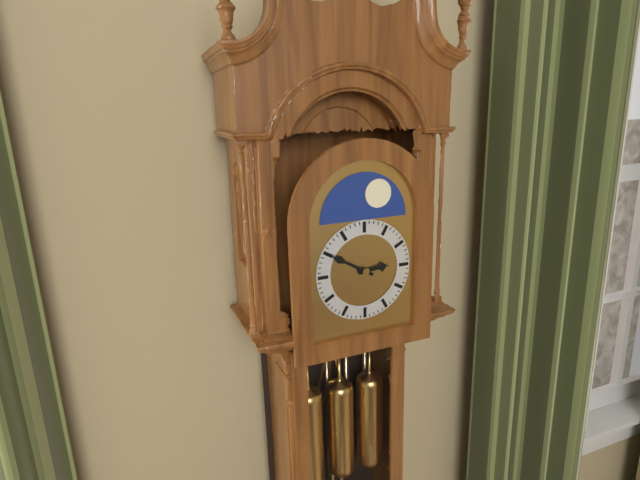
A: 2 h 50 min
